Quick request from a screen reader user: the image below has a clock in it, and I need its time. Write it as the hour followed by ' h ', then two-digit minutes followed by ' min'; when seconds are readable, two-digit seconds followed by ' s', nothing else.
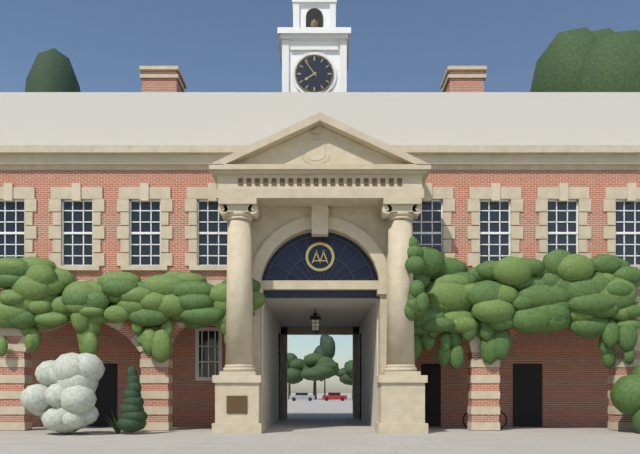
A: 7 h 54 min
